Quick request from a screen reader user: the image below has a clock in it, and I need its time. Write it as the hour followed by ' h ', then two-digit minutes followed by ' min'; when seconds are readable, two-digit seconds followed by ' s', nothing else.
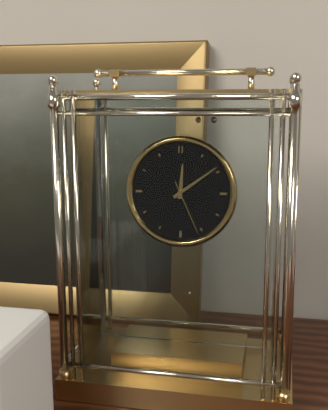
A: 12 h 09 min 26 s
